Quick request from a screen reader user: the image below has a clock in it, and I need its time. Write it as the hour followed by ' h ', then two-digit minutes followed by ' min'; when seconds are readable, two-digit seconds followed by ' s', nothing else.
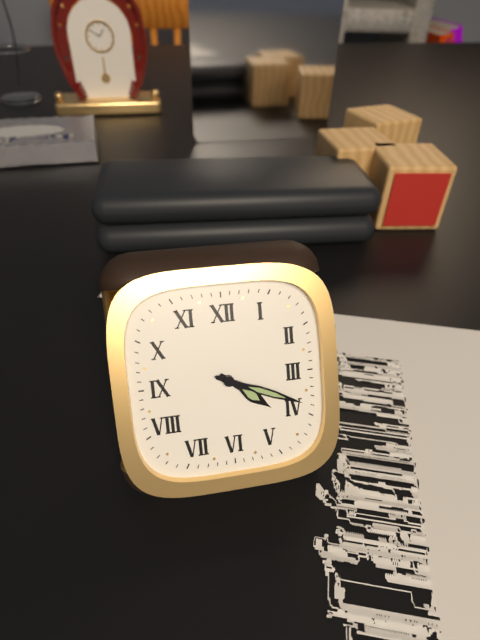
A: 4 h 19 min
